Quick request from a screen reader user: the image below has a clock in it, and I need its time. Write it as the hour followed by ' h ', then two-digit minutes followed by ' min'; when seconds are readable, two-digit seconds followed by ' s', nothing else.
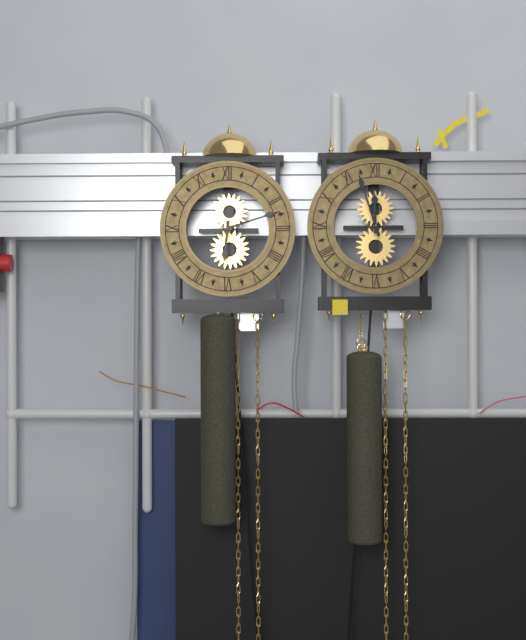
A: 6 h 12 min
